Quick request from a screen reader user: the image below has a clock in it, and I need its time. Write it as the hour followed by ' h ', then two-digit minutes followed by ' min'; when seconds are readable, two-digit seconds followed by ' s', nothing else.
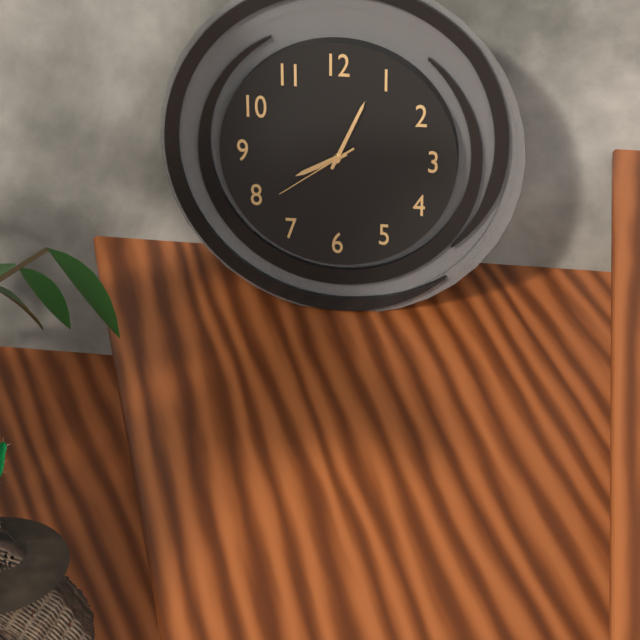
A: 8 h 04 min 39 s
